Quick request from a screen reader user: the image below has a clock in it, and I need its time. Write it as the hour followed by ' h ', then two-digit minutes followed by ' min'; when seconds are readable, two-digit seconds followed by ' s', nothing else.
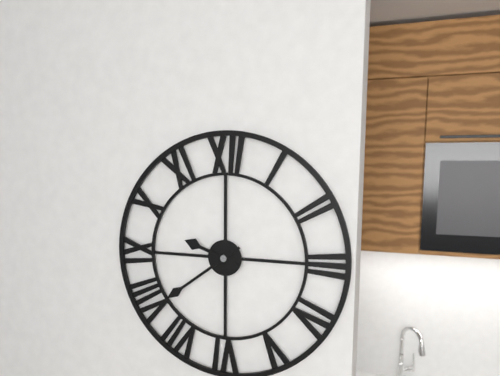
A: 9 h 39 min
